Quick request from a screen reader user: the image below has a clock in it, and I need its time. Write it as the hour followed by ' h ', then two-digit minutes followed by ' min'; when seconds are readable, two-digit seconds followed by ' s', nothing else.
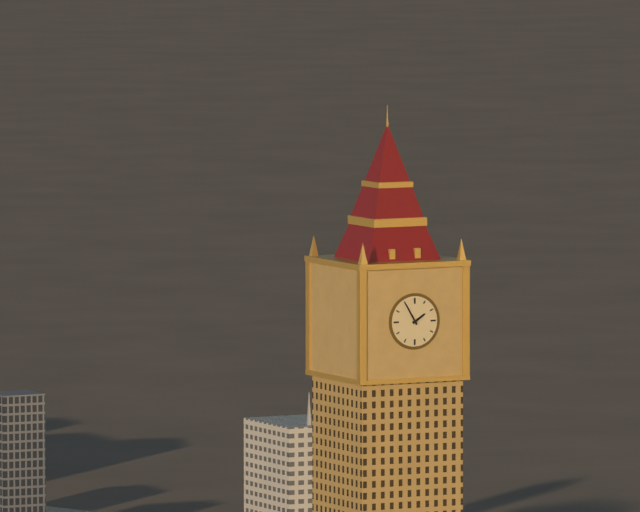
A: 1 h 55 min
